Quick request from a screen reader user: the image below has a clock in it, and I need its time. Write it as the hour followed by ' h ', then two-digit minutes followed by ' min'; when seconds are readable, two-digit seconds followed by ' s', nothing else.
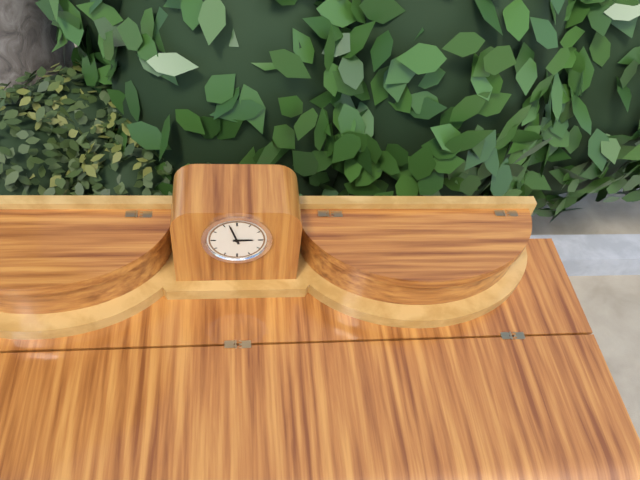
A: 2 h 57 min
